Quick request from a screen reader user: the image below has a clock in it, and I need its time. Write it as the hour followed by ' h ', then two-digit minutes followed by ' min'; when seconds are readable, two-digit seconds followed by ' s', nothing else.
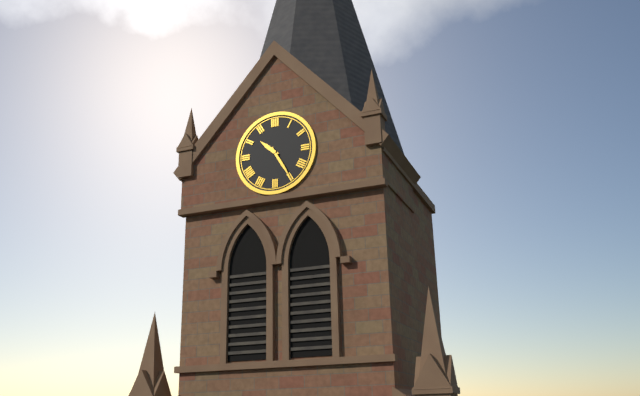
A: 10 h 25 min
